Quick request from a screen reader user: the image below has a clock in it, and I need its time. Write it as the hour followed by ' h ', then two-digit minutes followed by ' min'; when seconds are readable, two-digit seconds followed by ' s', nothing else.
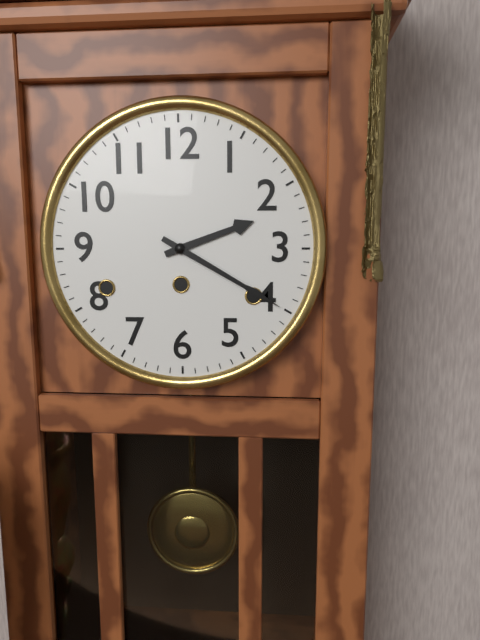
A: 2 h 20 min
